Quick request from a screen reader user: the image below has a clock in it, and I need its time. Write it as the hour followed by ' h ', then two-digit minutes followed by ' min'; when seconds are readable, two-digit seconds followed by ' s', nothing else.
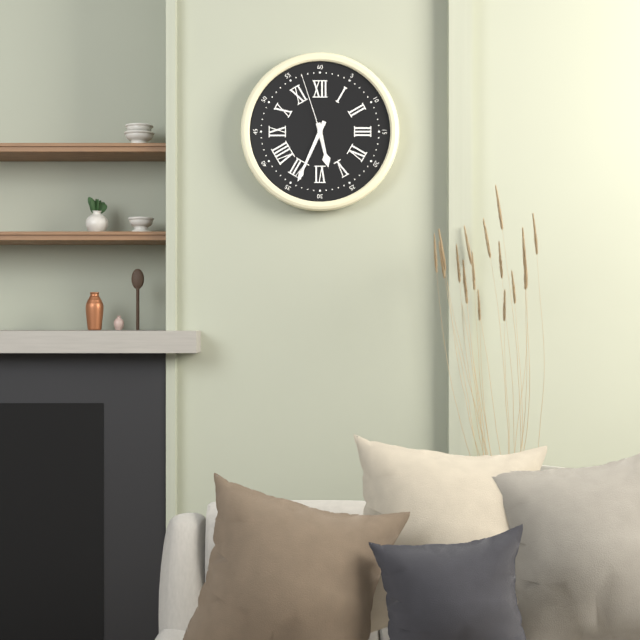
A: 5 h 34 min 57 s
